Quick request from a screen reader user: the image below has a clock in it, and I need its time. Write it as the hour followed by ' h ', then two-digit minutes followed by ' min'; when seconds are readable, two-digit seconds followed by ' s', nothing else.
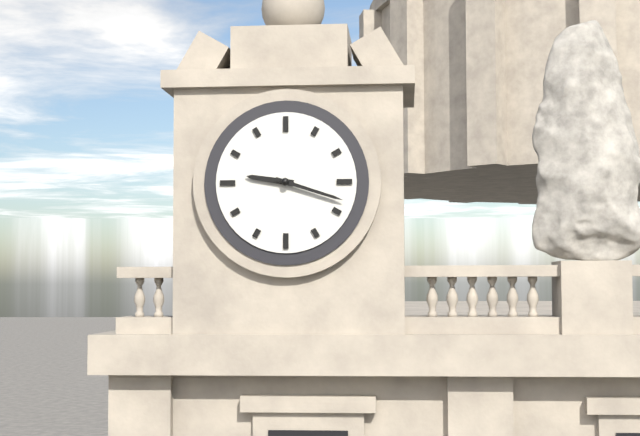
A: 9 h 18 min
